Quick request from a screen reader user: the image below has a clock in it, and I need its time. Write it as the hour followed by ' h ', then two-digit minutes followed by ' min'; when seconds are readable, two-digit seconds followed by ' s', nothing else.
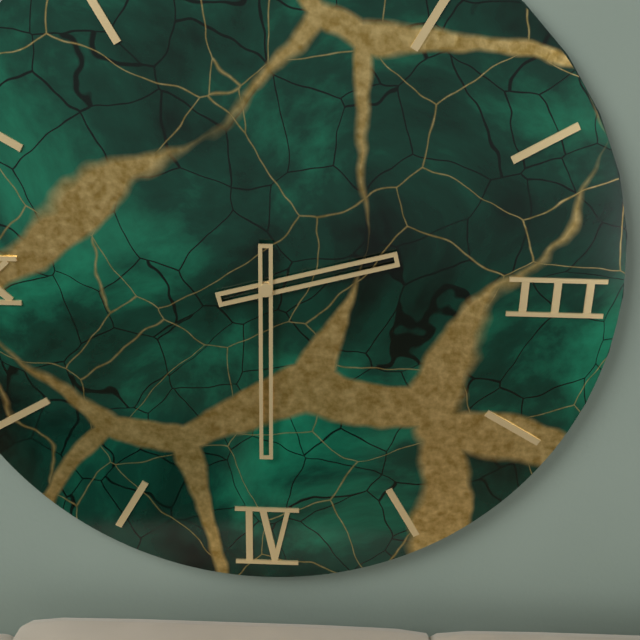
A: 2 h 30 min
